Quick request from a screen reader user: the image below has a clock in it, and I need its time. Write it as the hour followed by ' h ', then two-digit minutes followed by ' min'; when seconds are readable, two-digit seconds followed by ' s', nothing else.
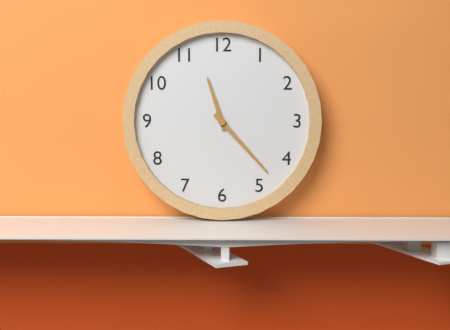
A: 11 h 23 min
